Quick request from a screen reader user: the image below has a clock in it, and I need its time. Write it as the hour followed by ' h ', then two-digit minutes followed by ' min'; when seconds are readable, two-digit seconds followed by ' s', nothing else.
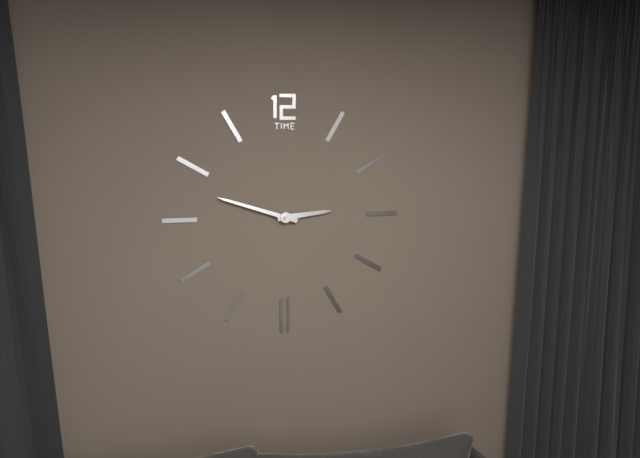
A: 2 h 48 min
